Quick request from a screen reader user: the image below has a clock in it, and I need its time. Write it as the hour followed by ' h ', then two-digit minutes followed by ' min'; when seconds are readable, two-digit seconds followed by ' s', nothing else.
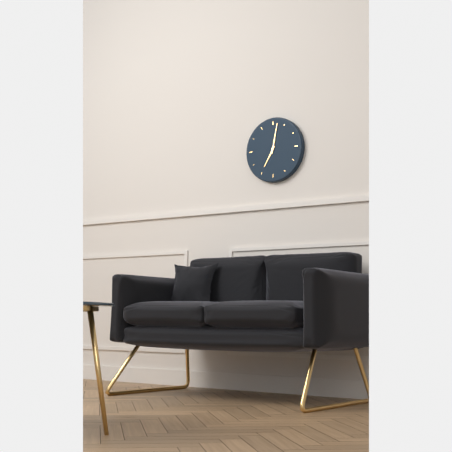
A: 7 h 02 min
